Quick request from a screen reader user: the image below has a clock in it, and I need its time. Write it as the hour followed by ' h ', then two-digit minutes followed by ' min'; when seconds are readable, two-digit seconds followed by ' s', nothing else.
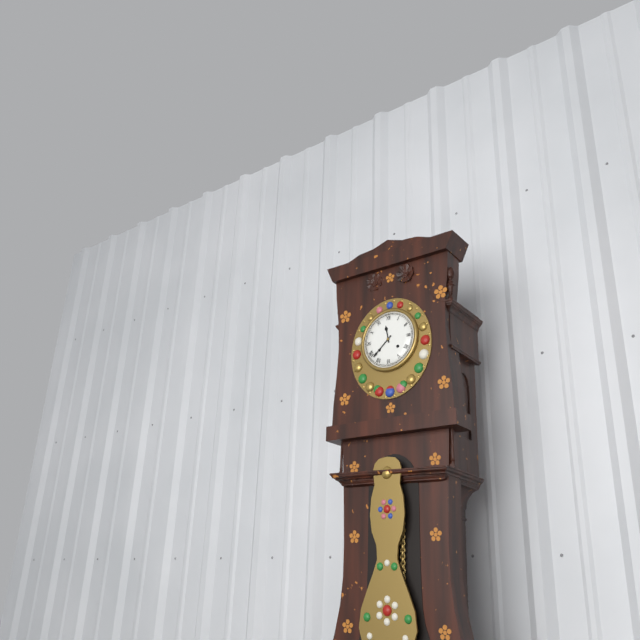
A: 11 h 38 min
